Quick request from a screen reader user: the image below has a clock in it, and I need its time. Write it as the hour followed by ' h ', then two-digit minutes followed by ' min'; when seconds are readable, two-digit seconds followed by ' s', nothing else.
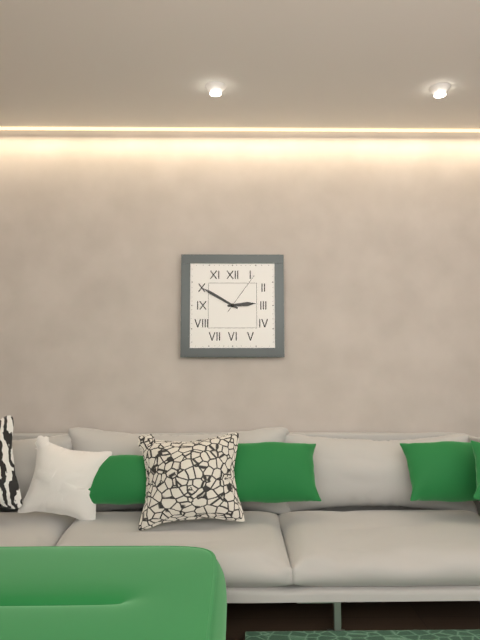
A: 2 h 50 min
